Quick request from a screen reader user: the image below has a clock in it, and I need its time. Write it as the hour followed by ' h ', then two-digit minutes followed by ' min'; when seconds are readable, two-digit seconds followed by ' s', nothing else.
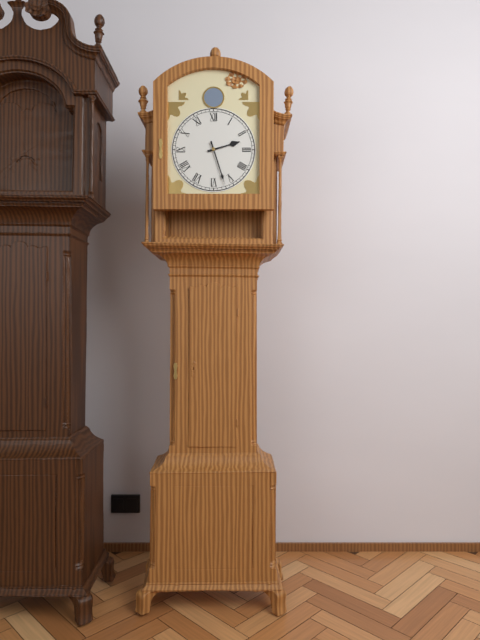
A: 2 h 27 min
